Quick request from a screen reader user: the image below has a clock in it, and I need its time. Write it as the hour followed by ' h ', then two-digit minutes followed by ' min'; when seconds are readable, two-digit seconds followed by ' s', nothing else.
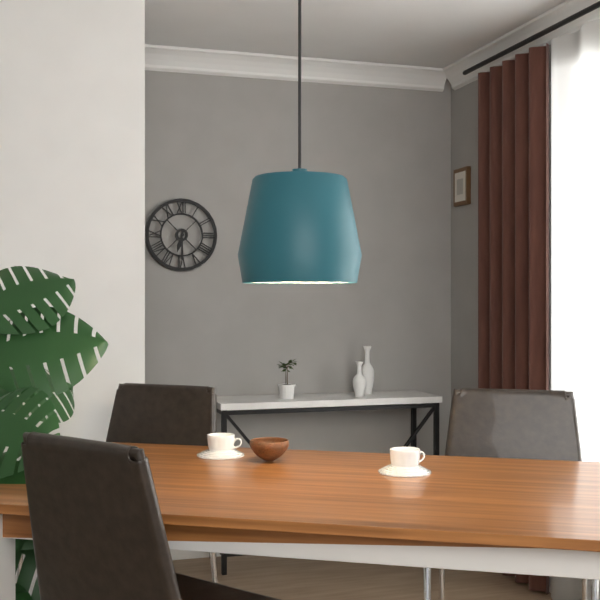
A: 6 h 30 min
